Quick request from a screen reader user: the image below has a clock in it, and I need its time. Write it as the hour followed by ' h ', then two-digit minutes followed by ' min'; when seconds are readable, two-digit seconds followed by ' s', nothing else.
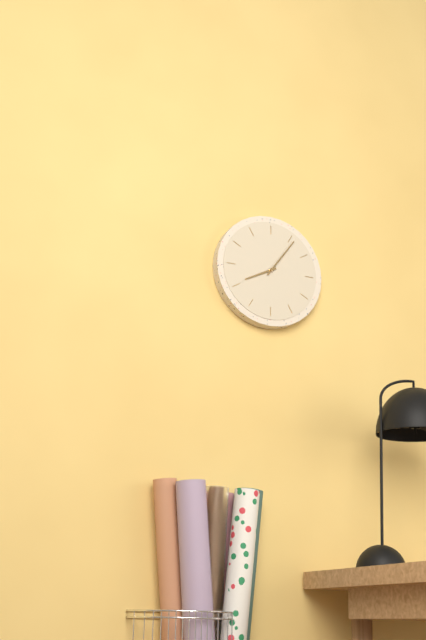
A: 8 h 06 min
